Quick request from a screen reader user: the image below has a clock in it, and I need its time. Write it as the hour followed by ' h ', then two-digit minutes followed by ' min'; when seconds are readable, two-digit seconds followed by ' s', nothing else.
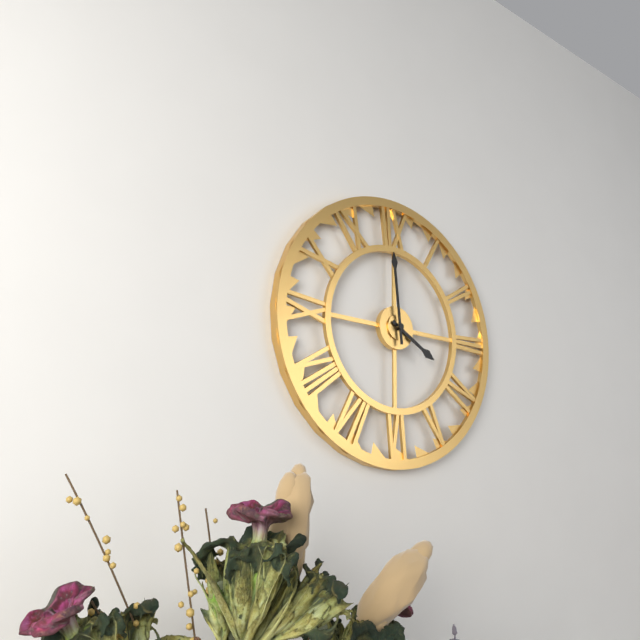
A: 3 h 59 min
